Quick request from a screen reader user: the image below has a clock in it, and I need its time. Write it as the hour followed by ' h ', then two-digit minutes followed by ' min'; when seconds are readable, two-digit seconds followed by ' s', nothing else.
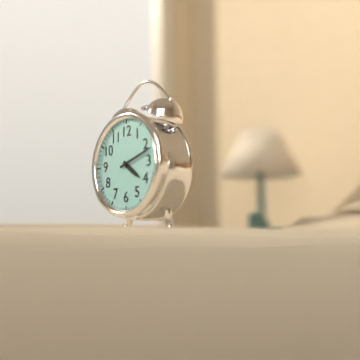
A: 4 h 12 min
